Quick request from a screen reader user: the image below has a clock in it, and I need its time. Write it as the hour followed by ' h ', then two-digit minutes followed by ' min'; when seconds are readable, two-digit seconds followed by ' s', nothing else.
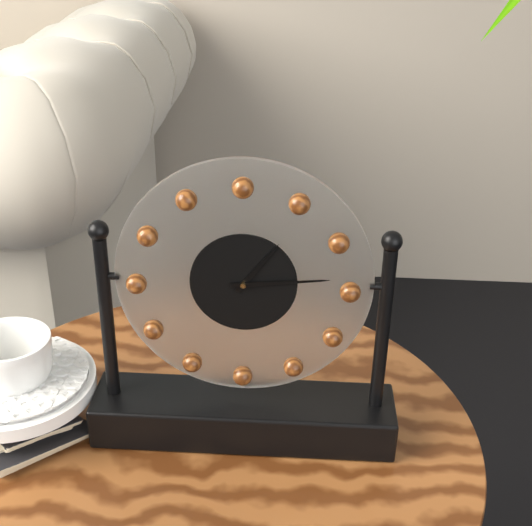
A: 1 h 14 min
